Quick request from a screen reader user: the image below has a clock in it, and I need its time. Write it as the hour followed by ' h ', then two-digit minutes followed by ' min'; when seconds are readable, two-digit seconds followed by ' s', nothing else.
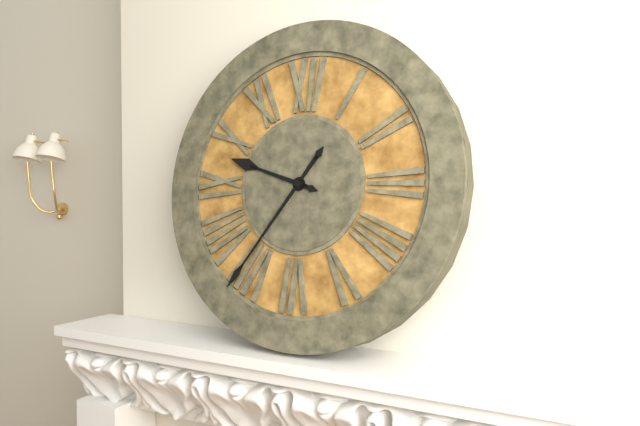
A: 9 h 36 min
